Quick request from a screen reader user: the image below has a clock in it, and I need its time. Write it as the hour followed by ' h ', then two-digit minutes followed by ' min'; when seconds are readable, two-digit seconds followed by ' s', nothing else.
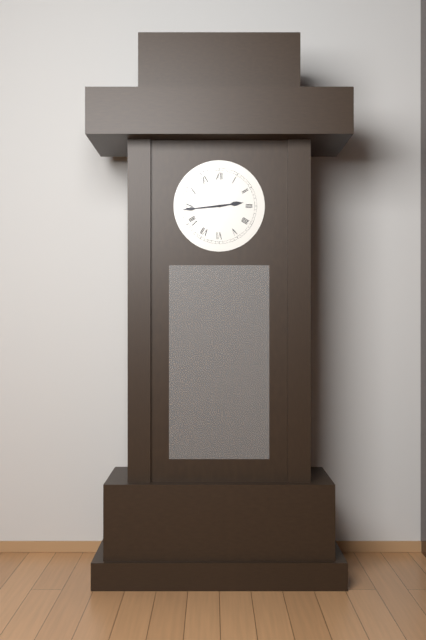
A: 2 h 44 min
